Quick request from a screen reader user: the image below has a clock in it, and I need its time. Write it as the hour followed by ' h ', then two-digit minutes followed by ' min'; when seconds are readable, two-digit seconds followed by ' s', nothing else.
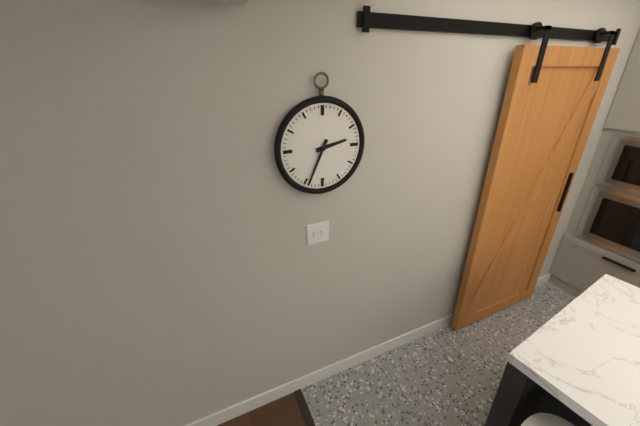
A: 2 h 34 min
